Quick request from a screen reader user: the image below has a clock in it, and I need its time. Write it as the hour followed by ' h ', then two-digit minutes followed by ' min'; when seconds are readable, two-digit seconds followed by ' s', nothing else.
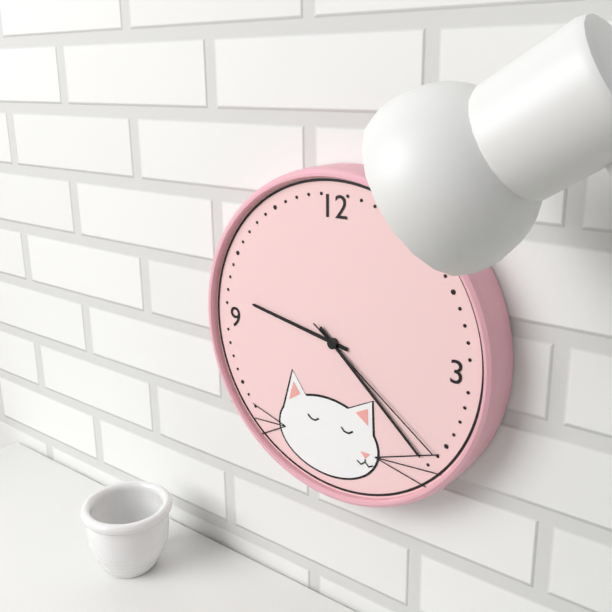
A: 9 h 22 min 21 s
